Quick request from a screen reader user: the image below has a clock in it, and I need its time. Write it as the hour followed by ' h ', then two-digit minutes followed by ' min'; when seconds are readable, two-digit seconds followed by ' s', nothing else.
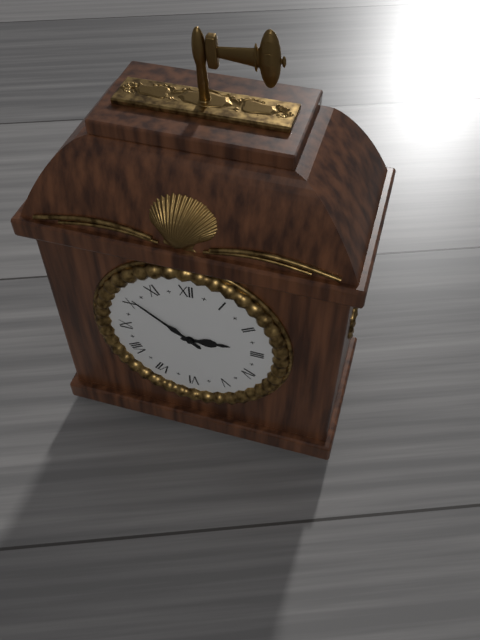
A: 2 h 51 min
